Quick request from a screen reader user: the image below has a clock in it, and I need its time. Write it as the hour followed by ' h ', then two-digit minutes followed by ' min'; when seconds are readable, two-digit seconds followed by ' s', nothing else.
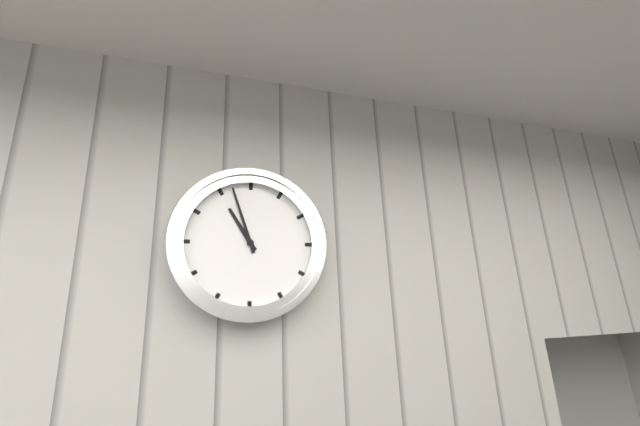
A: 10 h 57 min
